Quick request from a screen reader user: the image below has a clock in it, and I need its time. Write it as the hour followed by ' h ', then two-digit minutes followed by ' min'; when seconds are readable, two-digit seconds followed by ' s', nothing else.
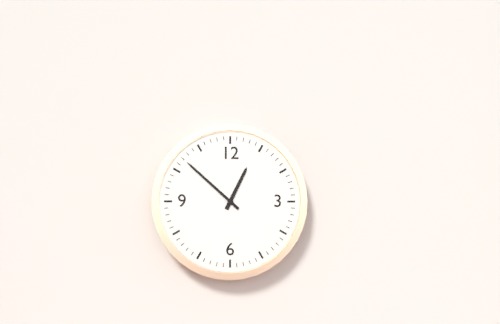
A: 12 h 52 min
